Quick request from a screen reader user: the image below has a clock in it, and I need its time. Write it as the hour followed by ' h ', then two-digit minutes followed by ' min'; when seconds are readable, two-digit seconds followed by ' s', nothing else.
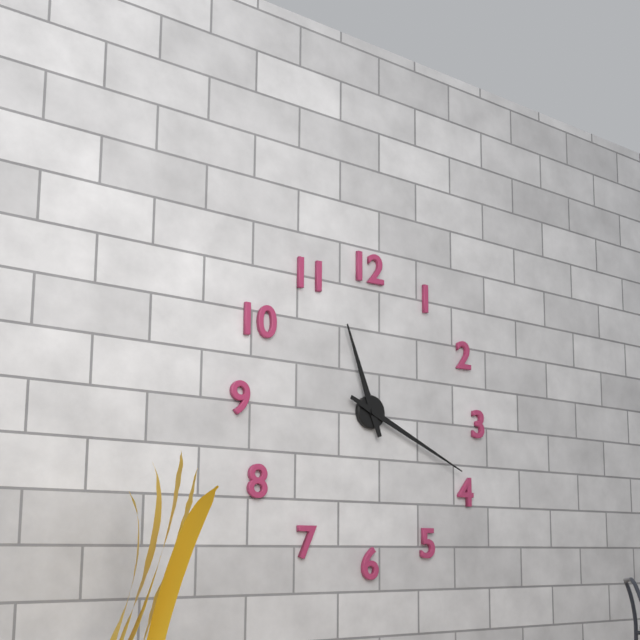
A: 11 h 19 min
